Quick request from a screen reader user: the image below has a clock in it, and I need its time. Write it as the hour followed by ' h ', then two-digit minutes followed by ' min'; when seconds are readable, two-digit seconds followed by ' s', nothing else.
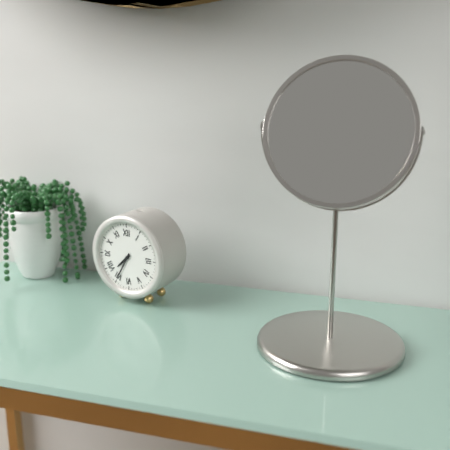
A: 7 h 35 min
